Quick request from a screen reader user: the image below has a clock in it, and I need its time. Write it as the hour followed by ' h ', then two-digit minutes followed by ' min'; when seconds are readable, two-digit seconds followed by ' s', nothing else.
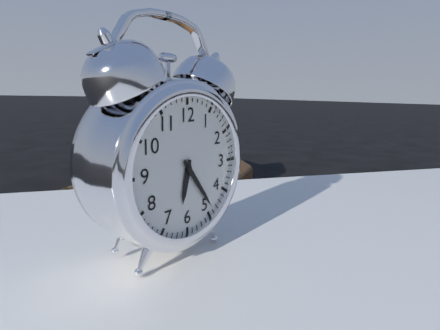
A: 6 h 24 min
